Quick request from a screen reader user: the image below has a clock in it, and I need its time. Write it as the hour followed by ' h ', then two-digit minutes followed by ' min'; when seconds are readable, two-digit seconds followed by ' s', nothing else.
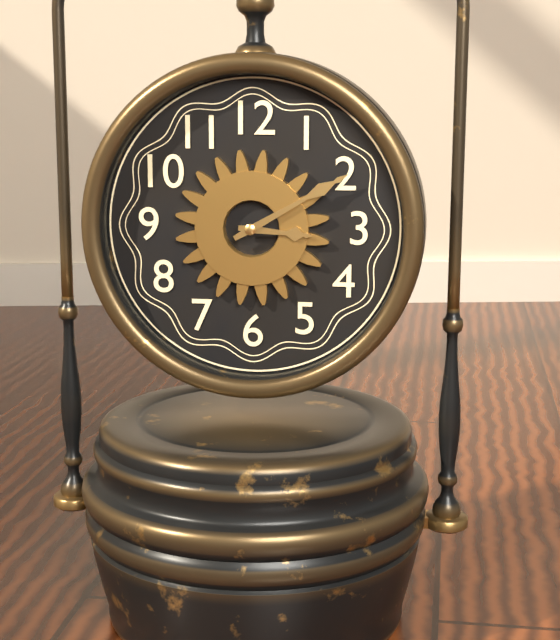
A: 3 h 10 min
